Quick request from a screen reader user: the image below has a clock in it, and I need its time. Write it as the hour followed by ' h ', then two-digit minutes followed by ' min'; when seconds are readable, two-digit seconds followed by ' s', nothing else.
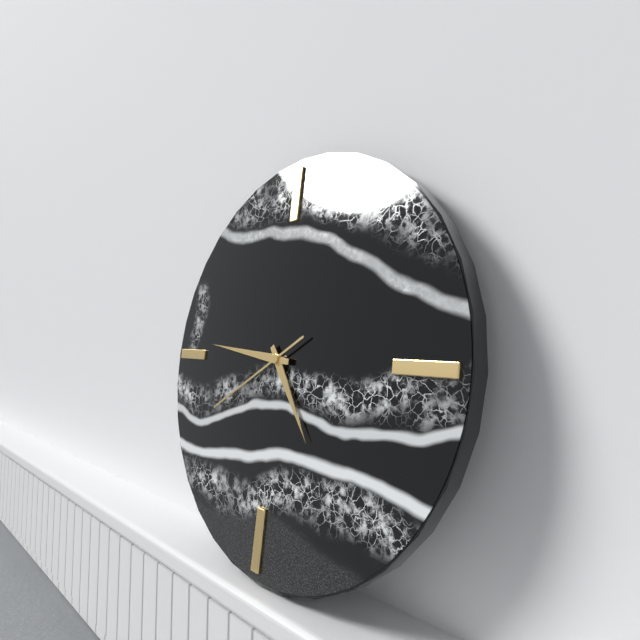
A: 4 h 46 min 40 s
